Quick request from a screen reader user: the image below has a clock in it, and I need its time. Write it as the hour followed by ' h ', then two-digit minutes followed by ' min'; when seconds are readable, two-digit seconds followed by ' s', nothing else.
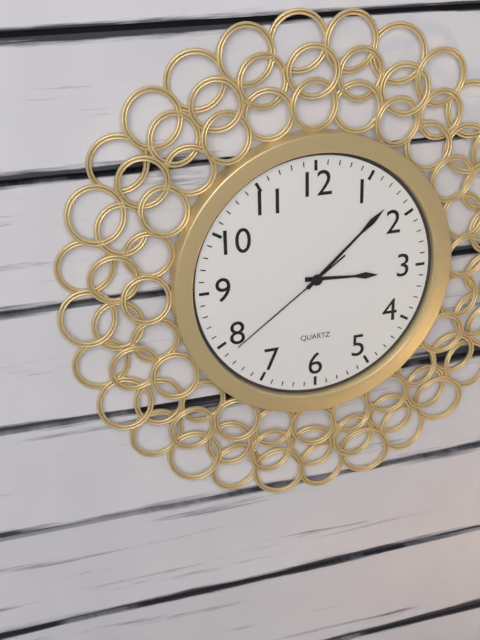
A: 3 h 08 min 39 s
